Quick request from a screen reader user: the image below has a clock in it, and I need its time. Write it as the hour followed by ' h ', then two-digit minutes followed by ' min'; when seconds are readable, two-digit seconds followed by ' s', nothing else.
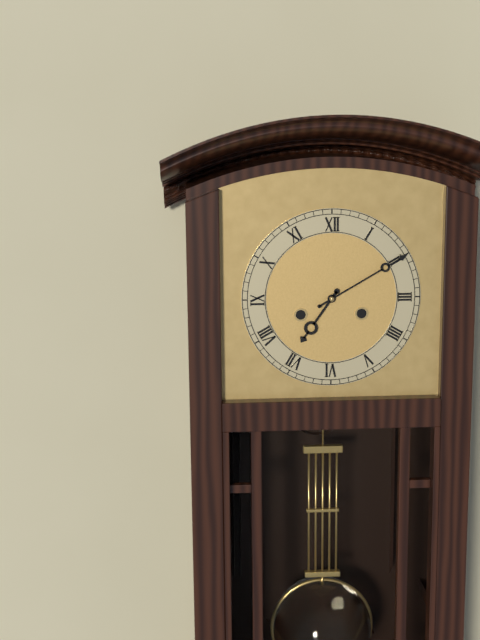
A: 7 h 10 min
